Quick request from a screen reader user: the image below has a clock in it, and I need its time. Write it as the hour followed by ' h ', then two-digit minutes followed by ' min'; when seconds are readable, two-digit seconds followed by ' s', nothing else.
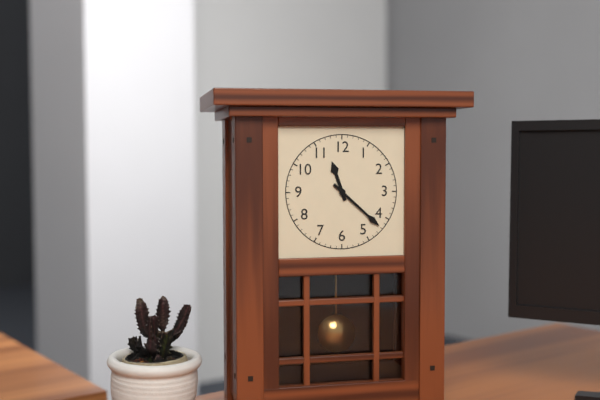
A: 11 h 22 min
